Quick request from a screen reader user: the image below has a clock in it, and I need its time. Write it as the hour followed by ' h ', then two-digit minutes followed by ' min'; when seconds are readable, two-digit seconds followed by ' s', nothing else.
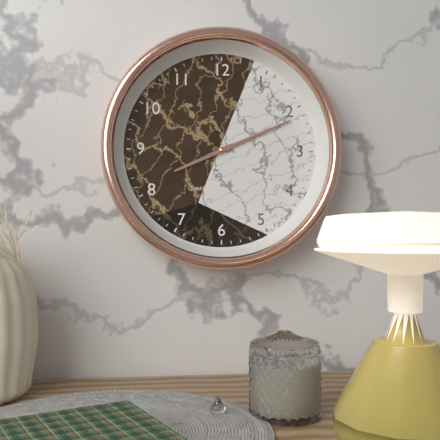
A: 8 h 11 min
